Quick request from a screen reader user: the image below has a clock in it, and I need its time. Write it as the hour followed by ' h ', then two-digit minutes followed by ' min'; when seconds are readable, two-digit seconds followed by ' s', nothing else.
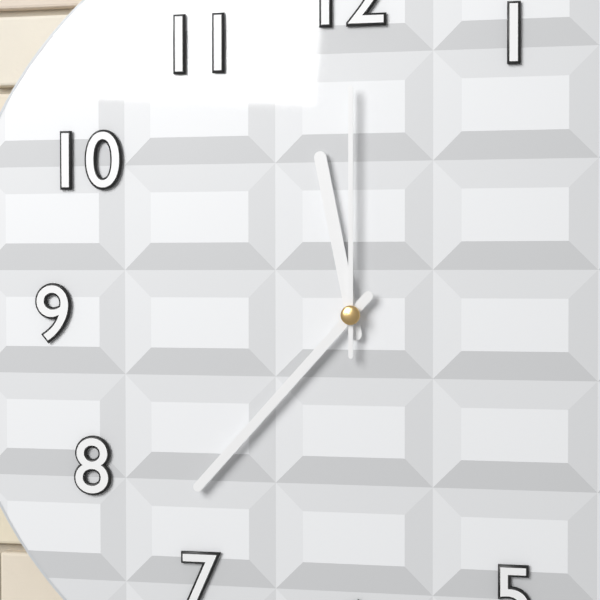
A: 11 h 37 min 00 s
